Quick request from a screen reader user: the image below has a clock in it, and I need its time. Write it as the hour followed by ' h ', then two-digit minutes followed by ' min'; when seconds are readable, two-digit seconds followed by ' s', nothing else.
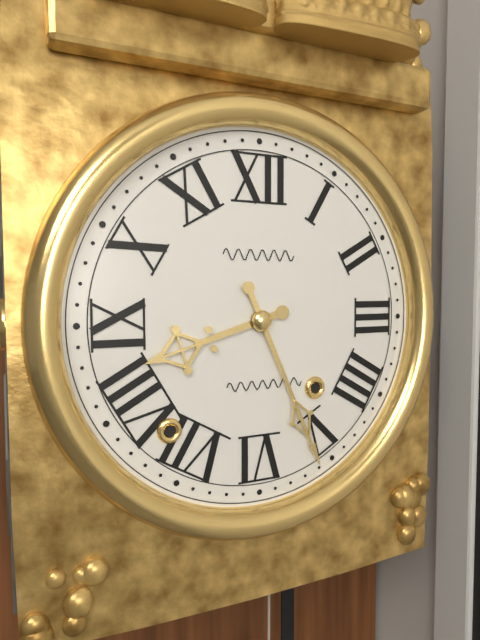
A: 8 h 26 min
